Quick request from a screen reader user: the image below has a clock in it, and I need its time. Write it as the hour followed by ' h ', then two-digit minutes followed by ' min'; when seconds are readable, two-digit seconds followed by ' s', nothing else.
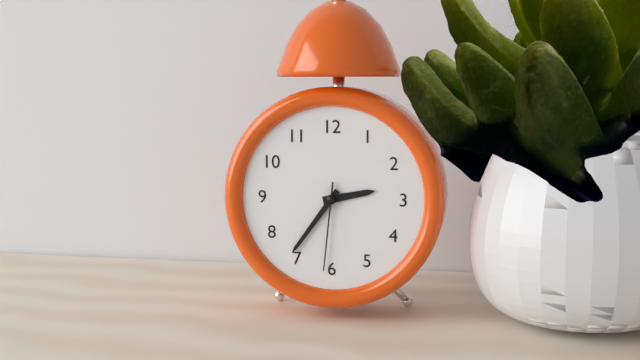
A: 2 h 36 min 31 s
